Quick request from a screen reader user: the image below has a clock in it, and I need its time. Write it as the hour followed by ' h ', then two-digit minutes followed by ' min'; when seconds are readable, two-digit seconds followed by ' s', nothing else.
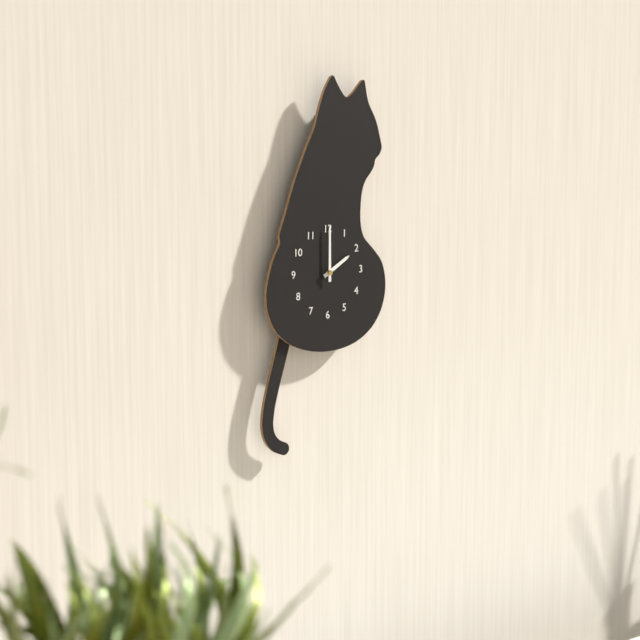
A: 2 h 00 min
